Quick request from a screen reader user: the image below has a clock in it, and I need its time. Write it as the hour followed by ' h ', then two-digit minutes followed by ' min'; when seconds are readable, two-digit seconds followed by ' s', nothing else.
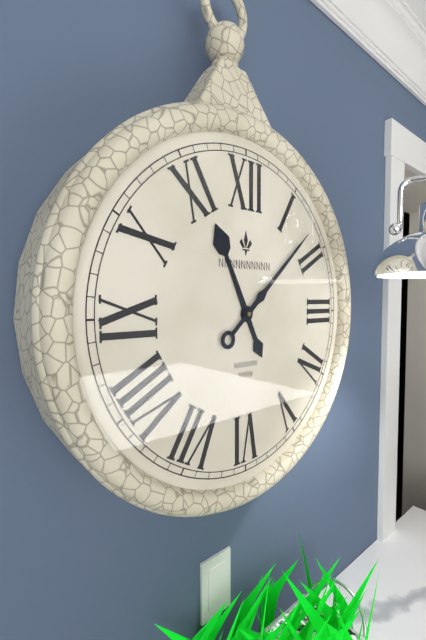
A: 11 h 08 min
